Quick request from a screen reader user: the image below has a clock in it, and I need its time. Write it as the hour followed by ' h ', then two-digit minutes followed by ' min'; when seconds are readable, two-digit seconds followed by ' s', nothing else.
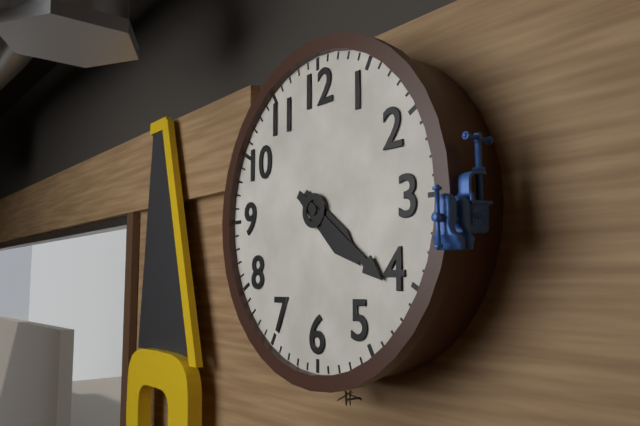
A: 4 h 21 min
